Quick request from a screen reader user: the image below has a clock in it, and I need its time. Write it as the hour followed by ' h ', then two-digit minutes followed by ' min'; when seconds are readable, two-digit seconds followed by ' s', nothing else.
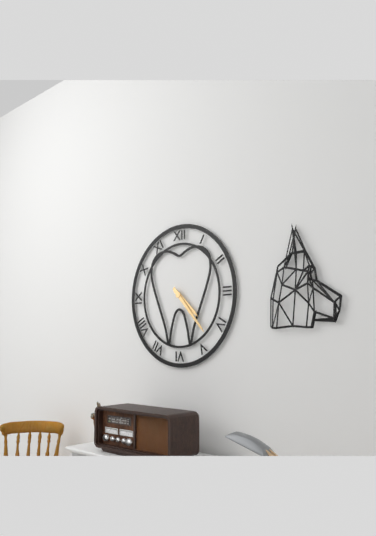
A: 4 h 23 min
